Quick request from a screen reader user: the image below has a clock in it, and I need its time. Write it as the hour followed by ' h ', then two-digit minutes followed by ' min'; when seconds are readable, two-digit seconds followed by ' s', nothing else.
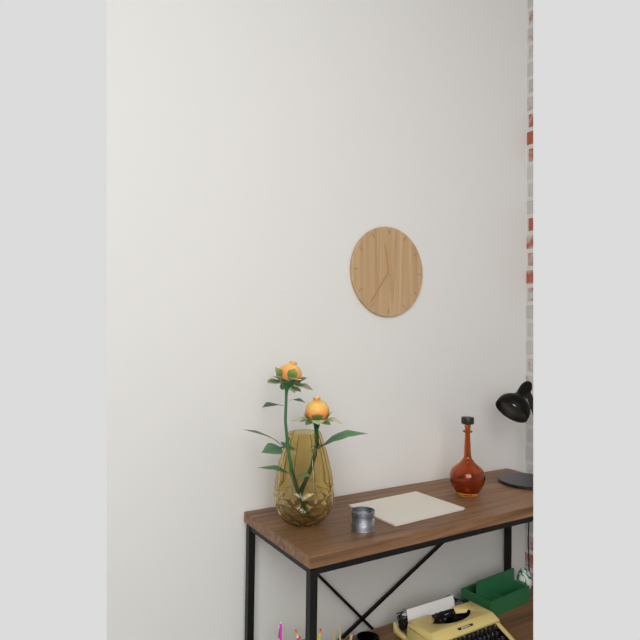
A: 11 h 36 min
